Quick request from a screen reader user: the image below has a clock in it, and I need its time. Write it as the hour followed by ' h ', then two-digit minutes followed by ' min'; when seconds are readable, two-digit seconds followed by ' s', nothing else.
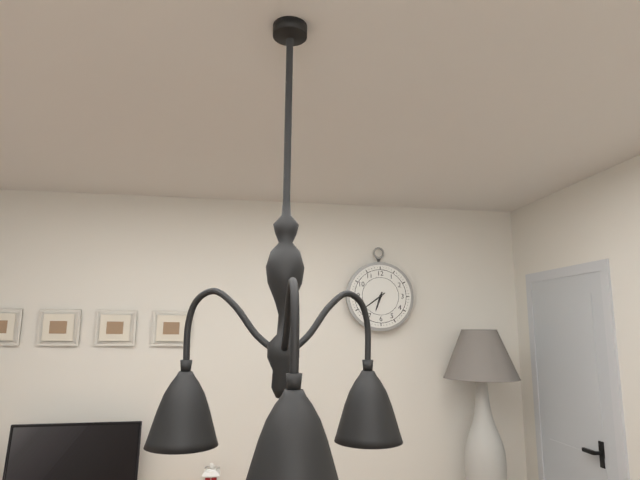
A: 6 h 39 min
